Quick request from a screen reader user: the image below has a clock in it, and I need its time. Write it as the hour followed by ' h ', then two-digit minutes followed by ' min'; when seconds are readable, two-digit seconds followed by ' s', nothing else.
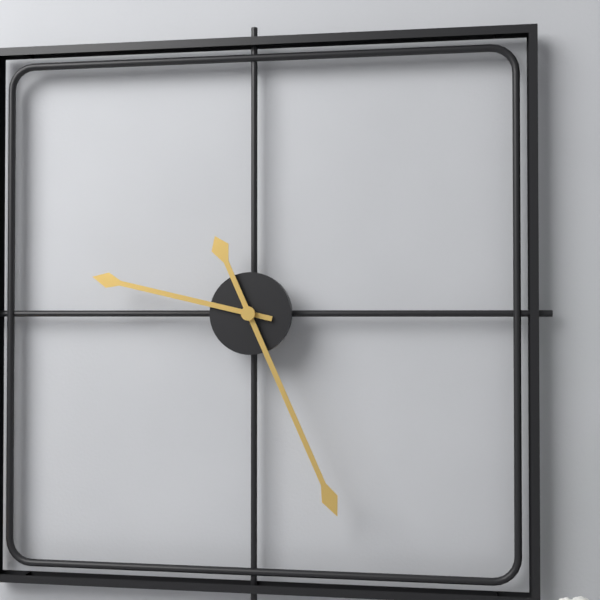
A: 9 h 26 min
